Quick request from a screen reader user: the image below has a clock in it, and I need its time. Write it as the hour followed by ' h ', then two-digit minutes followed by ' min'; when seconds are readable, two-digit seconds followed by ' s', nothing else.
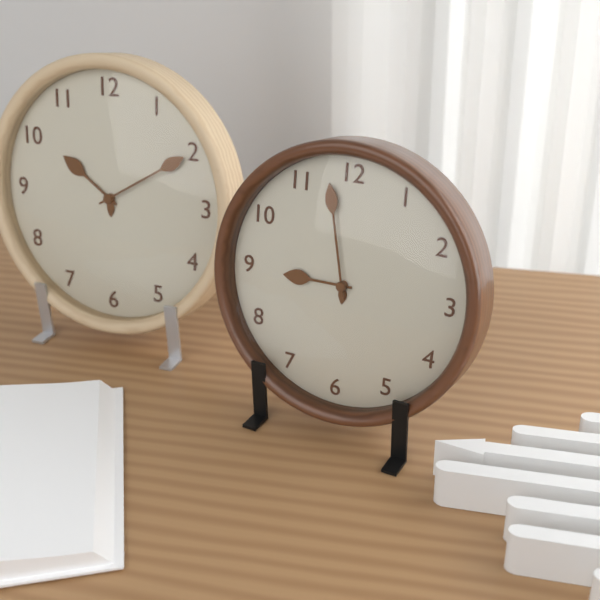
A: 8 h 58 min
